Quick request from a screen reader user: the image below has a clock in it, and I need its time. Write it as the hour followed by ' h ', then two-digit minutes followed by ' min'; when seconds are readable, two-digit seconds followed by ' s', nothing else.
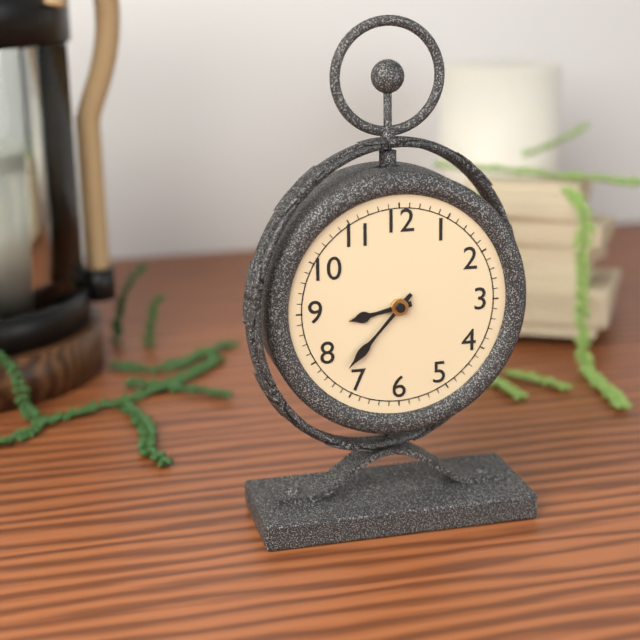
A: 8 h 37 min
